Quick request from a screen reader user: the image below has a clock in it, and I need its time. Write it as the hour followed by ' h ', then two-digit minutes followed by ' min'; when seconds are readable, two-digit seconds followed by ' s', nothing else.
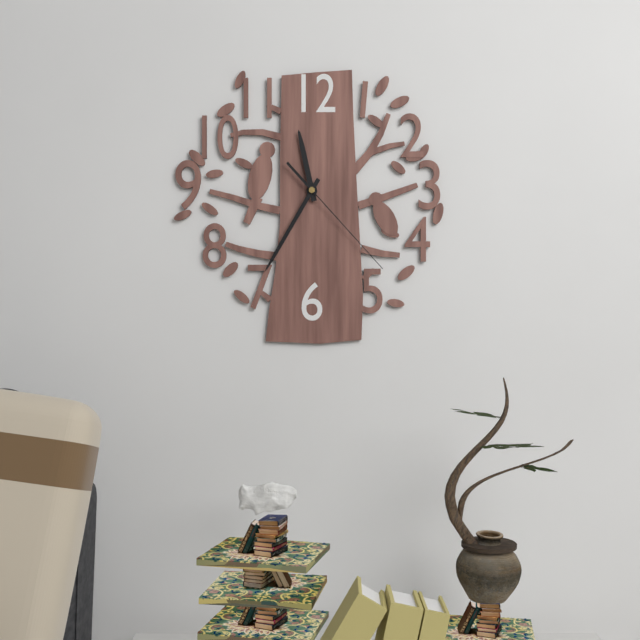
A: 11 h 35 min 23 s
